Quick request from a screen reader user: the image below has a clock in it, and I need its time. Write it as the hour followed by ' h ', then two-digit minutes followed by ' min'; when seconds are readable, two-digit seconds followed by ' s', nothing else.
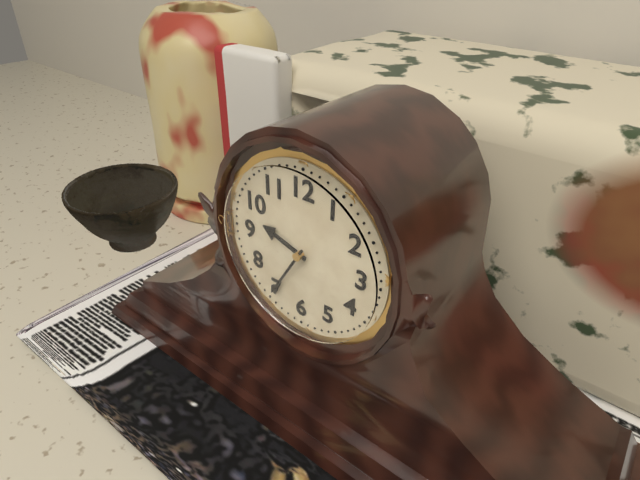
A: 9 h 35 min
